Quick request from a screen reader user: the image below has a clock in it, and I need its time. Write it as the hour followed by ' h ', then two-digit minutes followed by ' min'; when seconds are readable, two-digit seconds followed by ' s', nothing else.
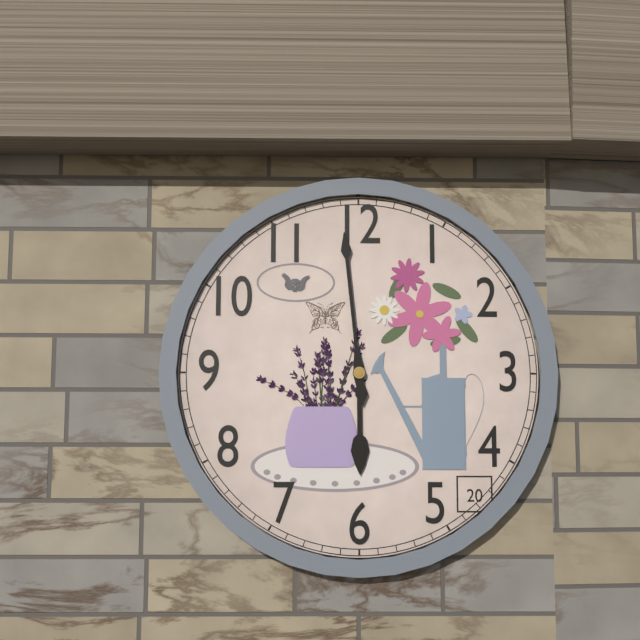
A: 5 h 59 min
